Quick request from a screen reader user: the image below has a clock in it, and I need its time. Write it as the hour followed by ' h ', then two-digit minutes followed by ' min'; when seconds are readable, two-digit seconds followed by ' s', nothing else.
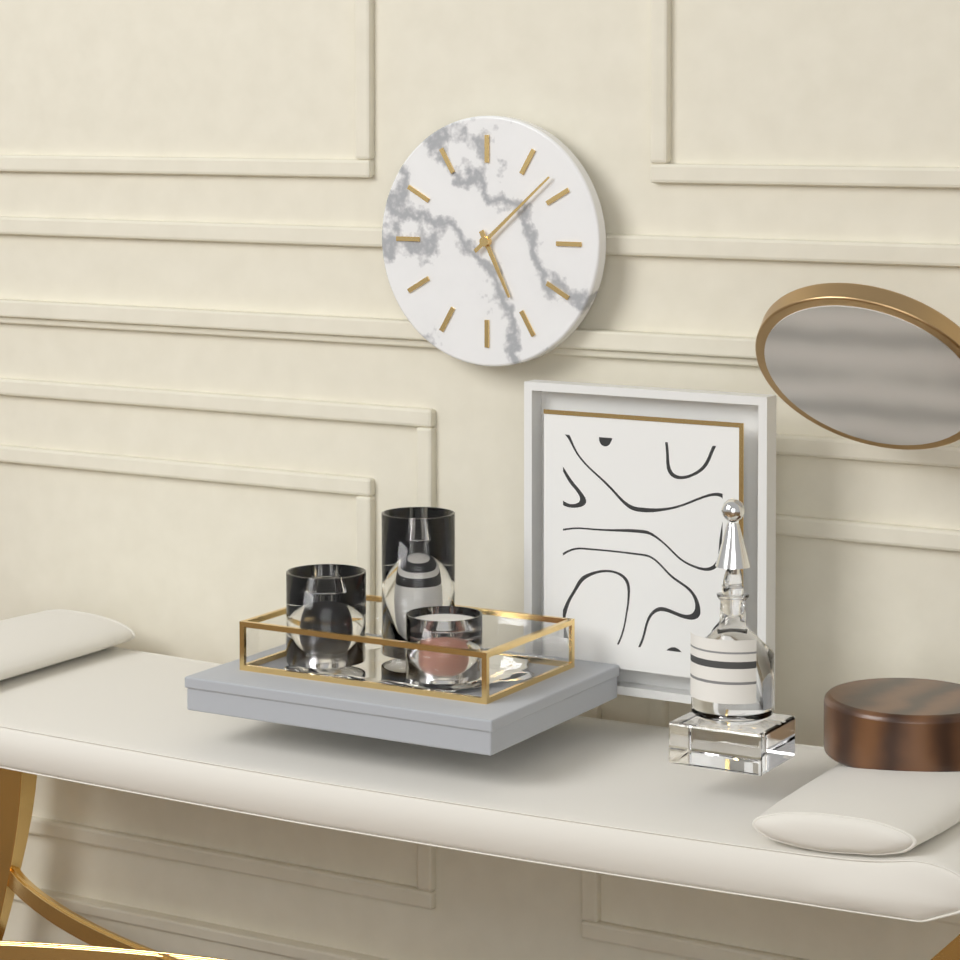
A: 5 h 08 min
